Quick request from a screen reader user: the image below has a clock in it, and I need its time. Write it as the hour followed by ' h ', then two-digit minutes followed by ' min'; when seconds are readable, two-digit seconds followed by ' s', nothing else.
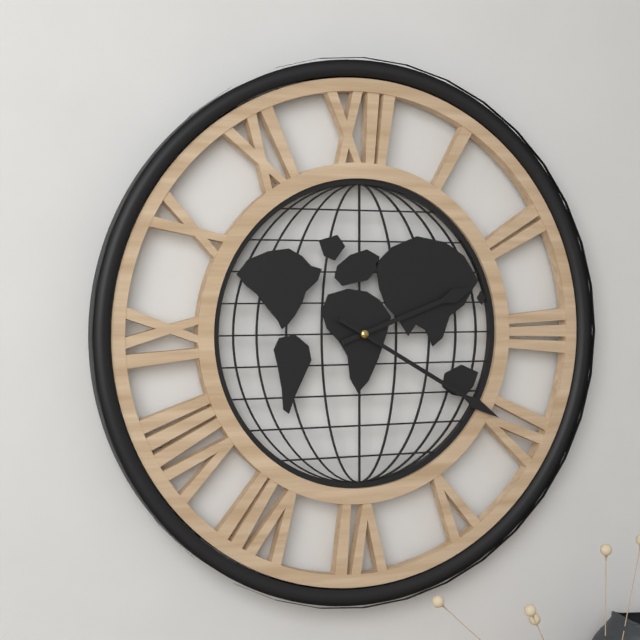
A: 2 h 20 min
